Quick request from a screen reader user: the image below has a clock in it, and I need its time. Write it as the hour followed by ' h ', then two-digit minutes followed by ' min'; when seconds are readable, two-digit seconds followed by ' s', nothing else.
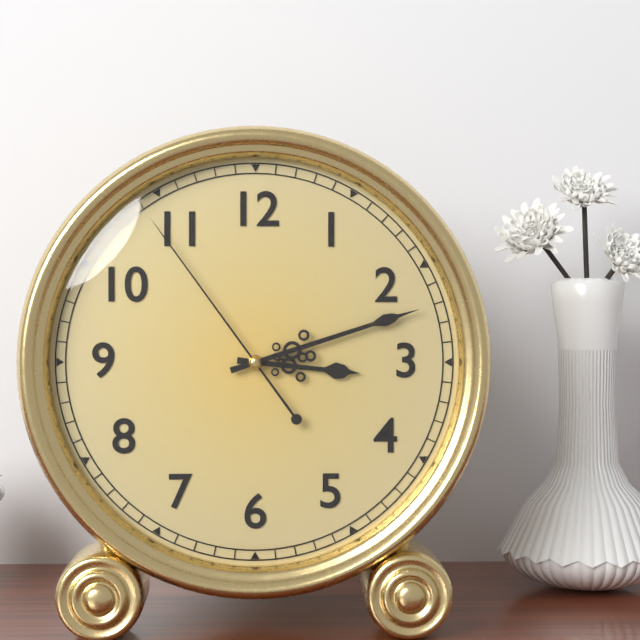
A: 3 h 12 min 54 s
